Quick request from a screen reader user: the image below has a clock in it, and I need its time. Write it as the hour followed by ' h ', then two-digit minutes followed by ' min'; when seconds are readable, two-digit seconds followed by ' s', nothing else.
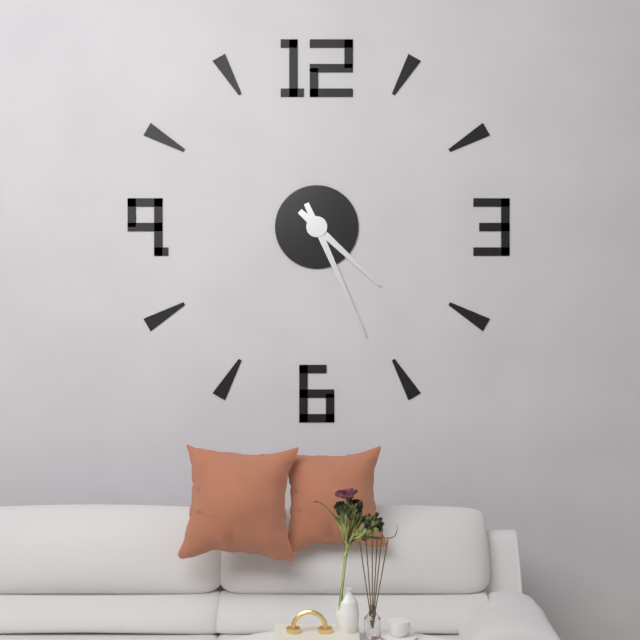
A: 4 h 26 min
